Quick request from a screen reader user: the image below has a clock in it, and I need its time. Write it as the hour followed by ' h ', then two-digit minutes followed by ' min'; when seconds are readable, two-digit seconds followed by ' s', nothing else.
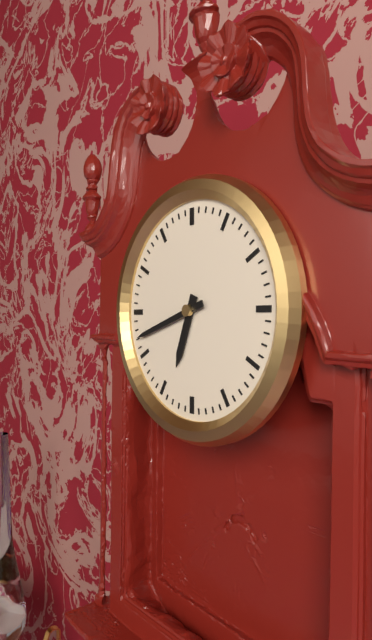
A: 6 h 42 min
